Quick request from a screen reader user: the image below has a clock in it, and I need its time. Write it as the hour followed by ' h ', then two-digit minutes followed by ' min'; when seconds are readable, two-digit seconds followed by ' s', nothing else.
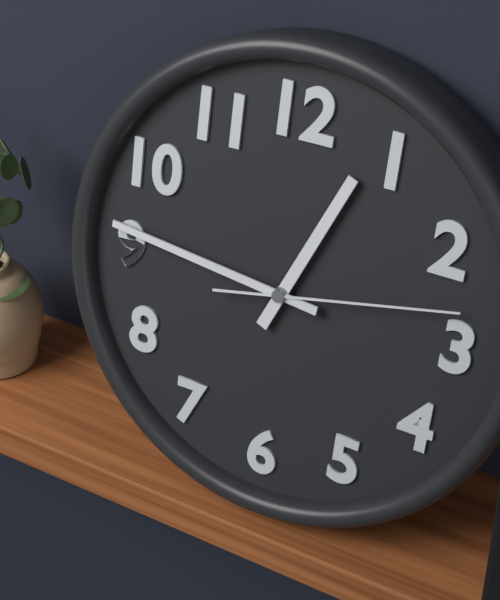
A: 12 h 46 min 13 s
